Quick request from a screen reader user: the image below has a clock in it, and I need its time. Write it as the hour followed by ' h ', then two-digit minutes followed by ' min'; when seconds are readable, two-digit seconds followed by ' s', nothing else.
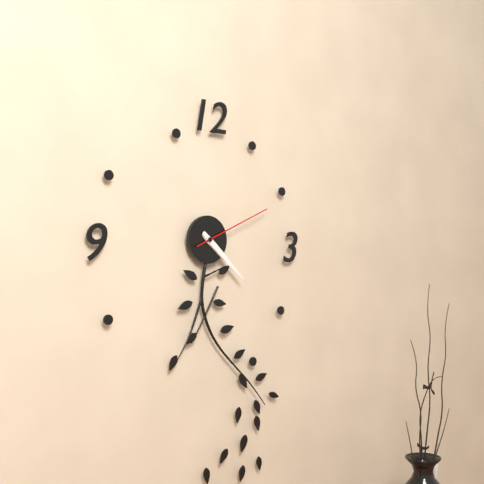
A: 4 h 22 min 11 s
